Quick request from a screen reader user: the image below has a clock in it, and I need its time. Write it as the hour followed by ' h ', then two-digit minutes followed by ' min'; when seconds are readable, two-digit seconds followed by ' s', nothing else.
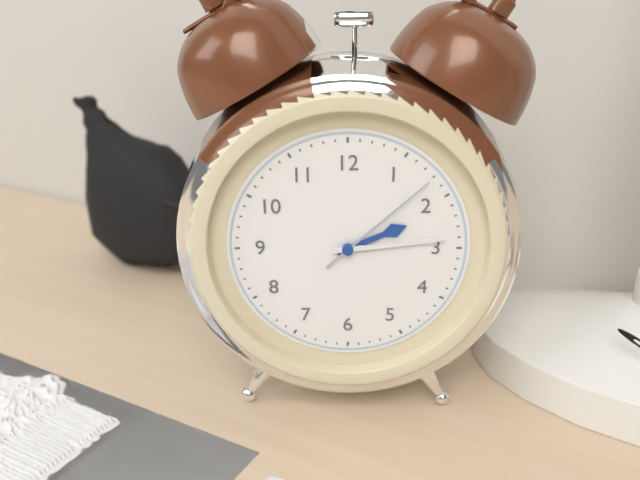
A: 2 h 14 min 08 s
